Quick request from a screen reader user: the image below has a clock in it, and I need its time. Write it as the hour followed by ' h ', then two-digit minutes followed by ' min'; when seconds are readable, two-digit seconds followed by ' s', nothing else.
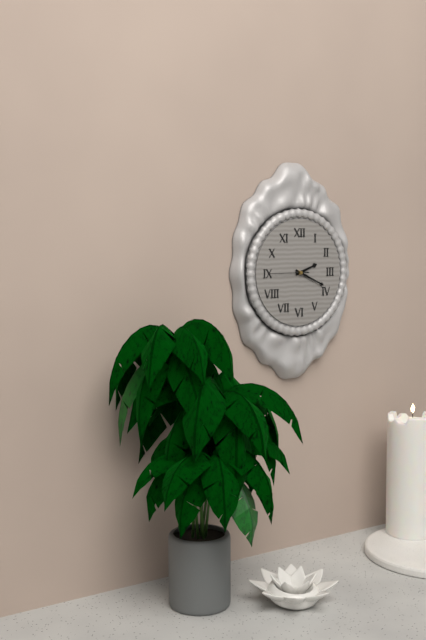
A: 2 h 19 min
